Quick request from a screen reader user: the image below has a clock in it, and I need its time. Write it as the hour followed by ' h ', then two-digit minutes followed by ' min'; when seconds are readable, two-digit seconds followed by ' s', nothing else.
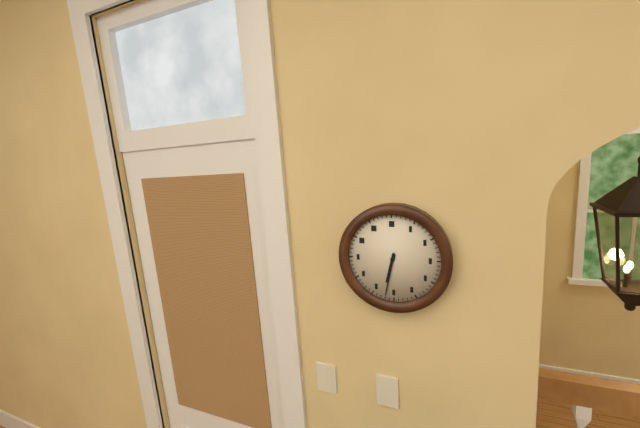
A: 6 h 32 min
